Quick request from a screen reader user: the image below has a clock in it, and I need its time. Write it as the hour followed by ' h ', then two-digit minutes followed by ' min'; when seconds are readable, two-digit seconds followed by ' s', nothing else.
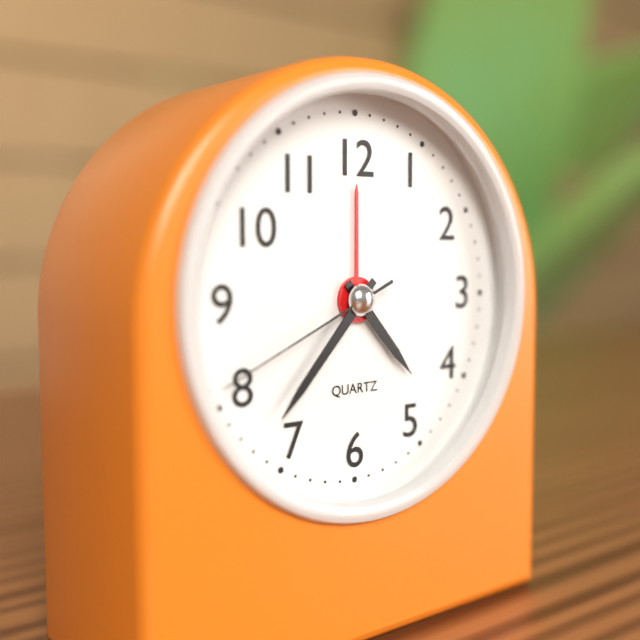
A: 4 h 37 min 41 s
